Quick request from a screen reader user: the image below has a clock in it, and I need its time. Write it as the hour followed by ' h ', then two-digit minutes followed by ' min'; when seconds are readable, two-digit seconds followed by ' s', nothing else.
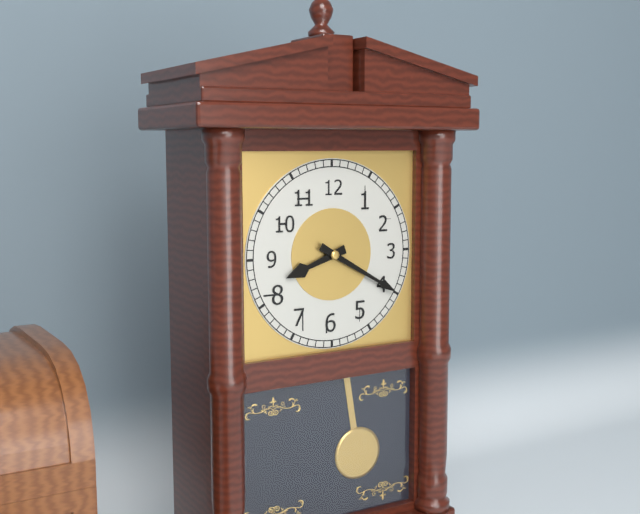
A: 8 h 20 min
